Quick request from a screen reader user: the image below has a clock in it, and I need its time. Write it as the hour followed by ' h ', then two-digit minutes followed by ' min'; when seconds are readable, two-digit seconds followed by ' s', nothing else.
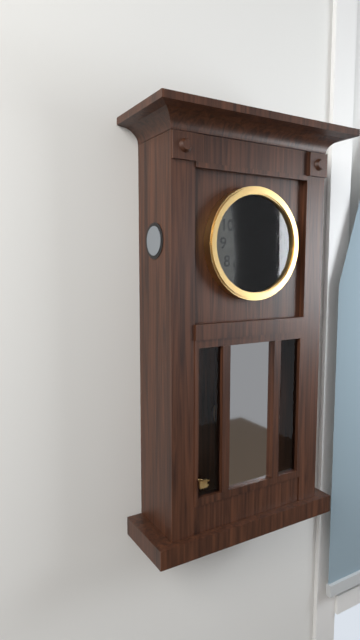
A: 3 h 02 min
